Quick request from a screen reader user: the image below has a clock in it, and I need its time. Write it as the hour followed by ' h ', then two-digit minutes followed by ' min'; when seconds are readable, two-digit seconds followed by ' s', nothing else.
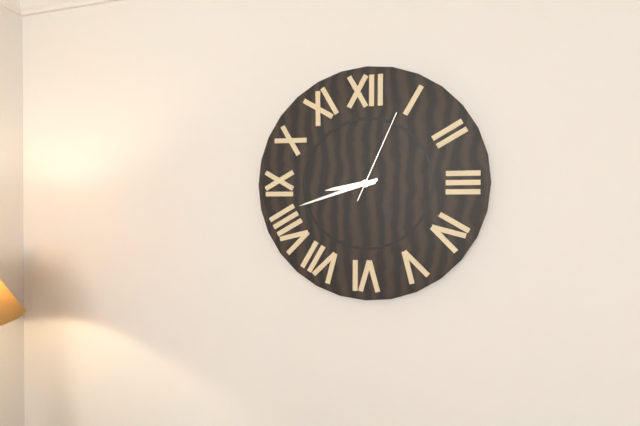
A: 8 h 42 min 04 s
